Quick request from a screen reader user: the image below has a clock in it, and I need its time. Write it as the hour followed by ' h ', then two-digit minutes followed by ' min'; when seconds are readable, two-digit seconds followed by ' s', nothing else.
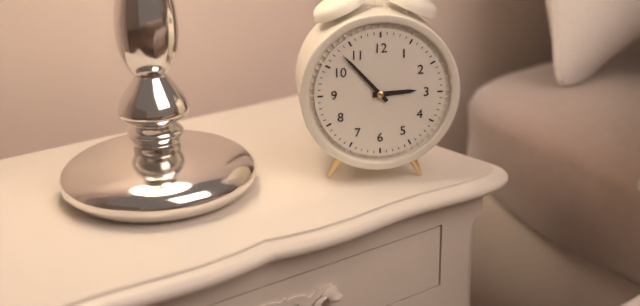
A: 2 h 53 min
